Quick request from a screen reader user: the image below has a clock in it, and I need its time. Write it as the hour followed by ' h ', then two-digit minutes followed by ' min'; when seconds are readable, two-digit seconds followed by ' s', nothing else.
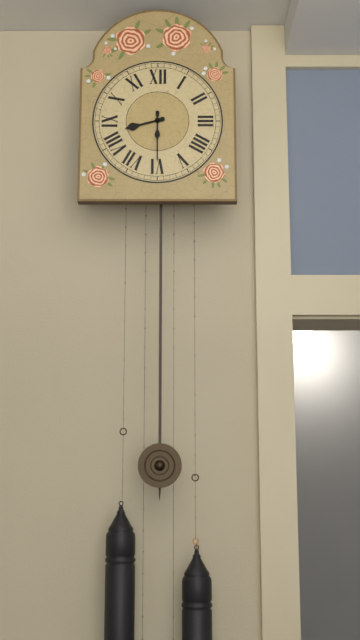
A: 8 h 30 min
